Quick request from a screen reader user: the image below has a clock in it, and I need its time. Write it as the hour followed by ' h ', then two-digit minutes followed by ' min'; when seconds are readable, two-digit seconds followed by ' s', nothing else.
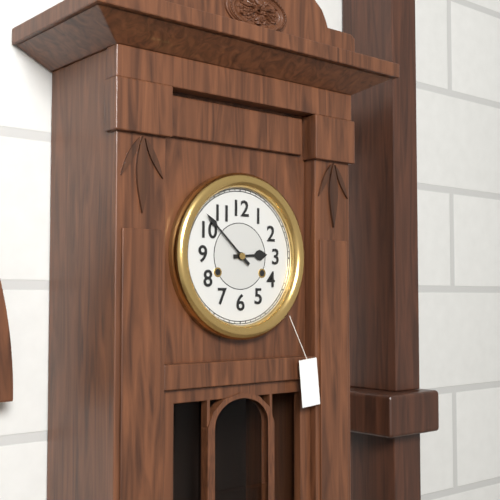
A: 2 h 52 min
